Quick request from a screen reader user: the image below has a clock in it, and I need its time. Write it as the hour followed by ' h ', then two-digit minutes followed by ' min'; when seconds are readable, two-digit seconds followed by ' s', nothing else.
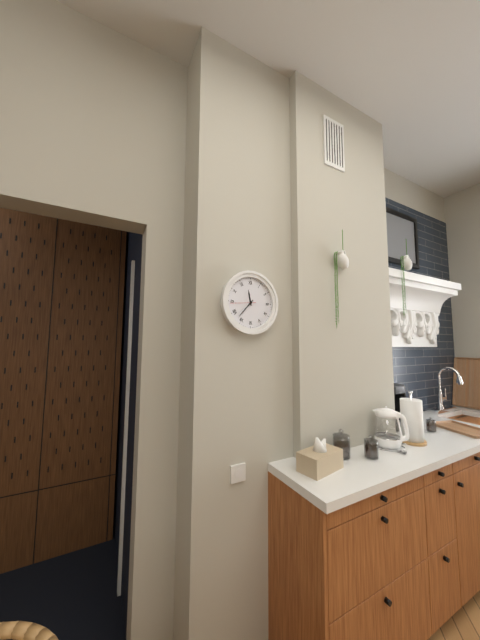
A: 11 h 37 min
